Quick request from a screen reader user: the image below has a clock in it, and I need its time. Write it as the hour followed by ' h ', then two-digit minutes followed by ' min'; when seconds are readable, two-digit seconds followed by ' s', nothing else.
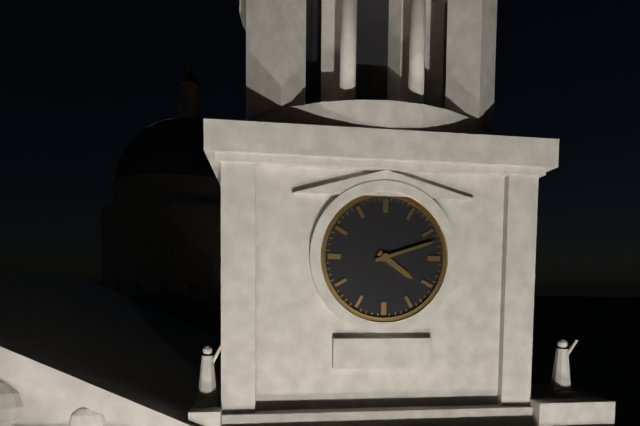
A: 4 h 12 min
